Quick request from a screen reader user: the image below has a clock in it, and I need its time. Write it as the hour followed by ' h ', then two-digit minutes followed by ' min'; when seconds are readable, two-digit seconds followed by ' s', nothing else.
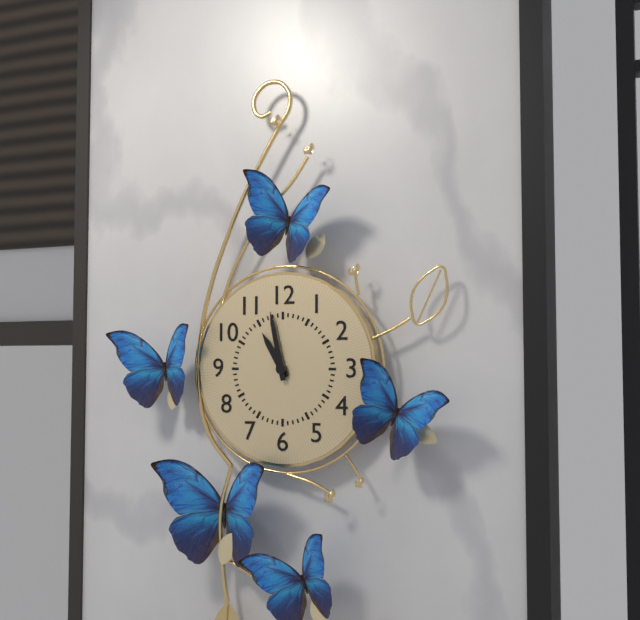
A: 10 h 58 min
